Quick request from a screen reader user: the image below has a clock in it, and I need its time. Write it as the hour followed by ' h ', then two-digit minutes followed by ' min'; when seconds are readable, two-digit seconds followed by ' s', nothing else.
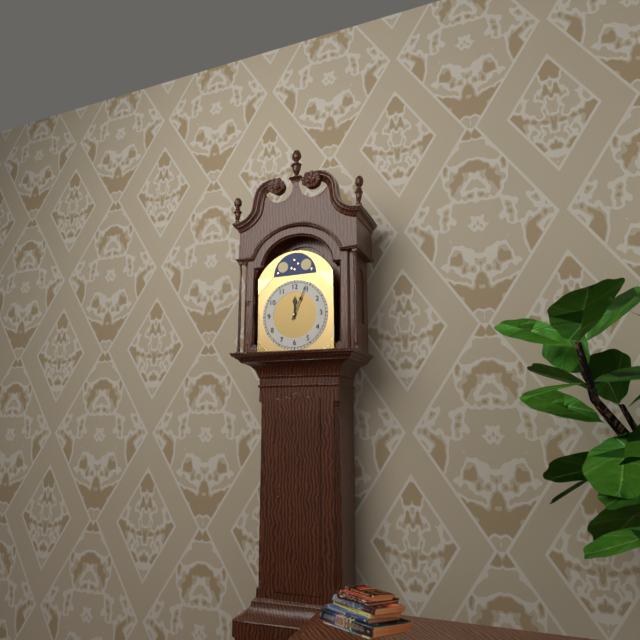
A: 12 h 04 min
